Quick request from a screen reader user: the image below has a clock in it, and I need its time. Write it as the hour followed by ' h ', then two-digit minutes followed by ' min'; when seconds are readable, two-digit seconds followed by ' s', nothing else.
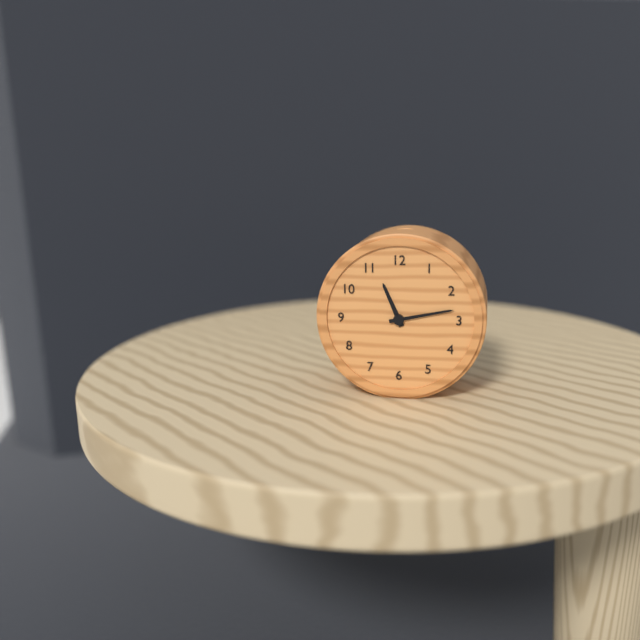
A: 11 h 13 min
